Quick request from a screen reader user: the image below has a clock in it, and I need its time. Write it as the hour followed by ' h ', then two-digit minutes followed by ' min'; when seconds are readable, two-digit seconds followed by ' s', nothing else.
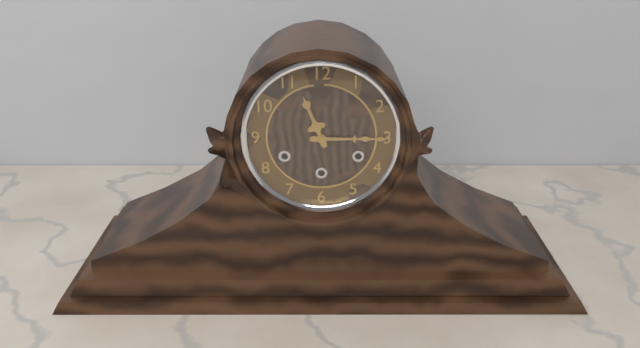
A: 11 h 15 min
